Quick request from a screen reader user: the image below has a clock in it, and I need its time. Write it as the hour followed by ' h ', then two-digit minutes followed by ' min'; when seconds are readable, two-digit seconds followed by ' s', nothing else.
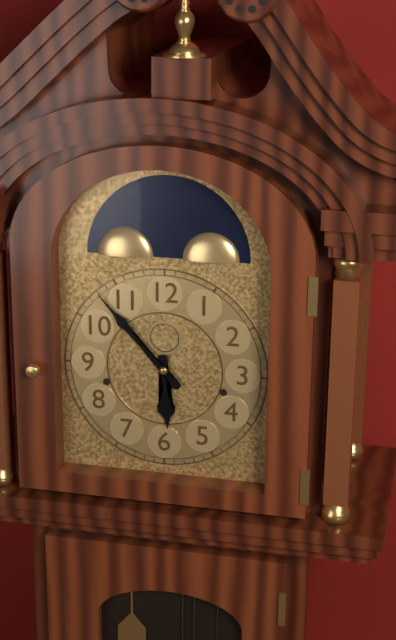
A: 5 h 53 min
